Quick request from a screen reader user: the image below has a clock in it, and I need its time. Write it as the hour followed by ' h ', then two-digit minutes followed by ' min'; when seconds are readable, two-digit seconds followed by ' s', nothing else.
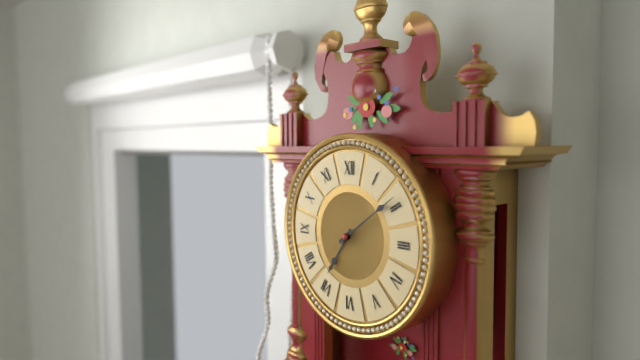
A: 7 h 09 min
